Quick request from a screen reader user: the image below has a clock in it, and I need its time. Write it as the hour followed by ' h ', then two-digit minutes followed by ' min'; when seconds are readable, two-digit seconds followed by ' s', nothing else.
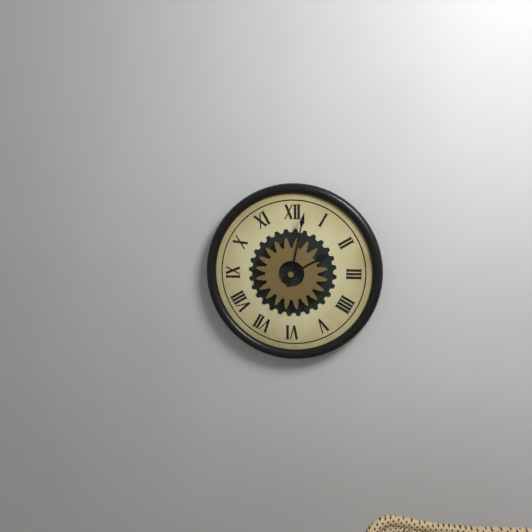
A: 2 h 02 min
